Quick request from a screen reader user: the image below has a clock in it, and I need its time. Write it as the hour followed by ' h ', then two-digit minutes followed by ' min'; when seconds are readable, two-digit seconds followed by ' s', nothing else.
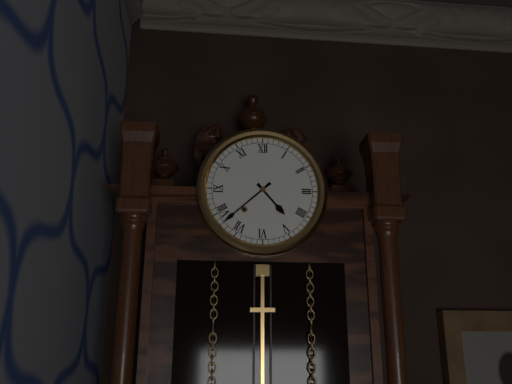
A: 4 h 38 min
